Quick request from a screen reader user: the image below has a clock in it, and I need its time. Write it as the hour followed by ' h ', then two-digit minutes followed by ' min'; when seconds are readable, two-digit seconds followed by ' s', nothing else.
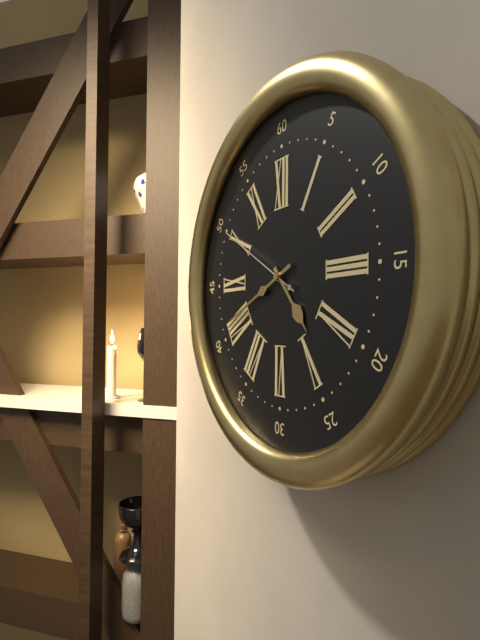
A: 4 h 41 min 50 s
